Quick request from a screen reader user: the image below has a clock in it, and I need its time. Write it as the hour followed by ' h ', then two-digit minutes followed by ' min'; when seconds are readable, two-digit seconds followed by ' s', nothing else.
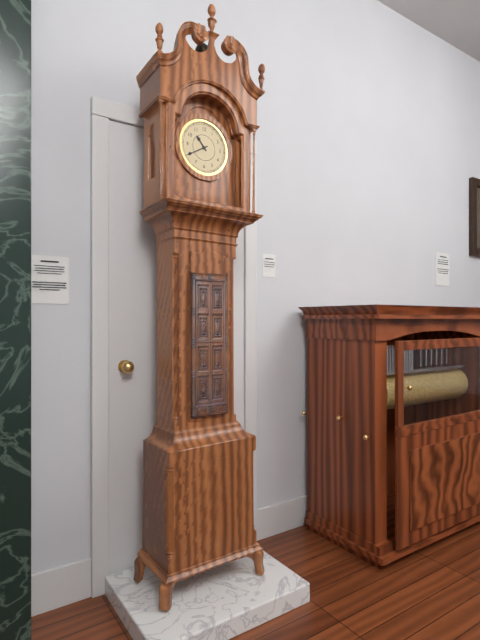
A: 10 h 40 min
